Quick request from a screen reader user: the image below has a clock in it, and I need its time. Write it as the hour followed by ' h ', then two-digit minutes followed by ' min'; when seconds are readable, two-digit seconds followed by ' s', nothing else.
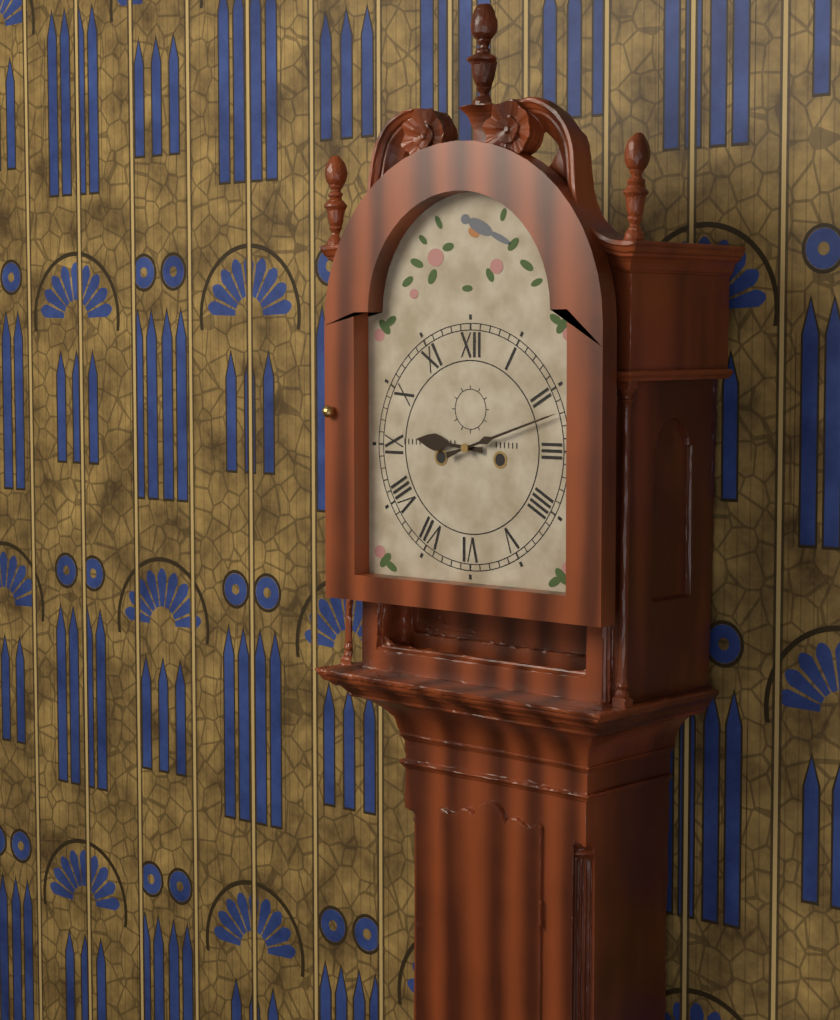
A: 9 h 12 min
